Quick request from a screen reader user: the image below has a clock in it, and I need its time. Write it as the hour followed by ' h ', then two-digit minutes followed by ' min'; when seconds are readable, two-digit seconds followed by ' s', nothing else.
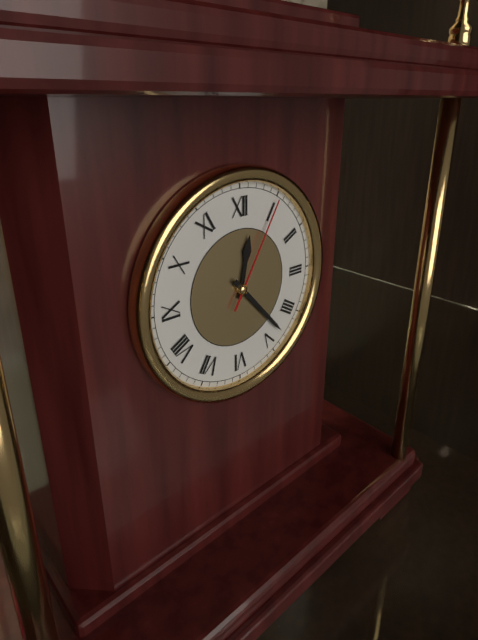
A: 12 h 23 min 05 s
